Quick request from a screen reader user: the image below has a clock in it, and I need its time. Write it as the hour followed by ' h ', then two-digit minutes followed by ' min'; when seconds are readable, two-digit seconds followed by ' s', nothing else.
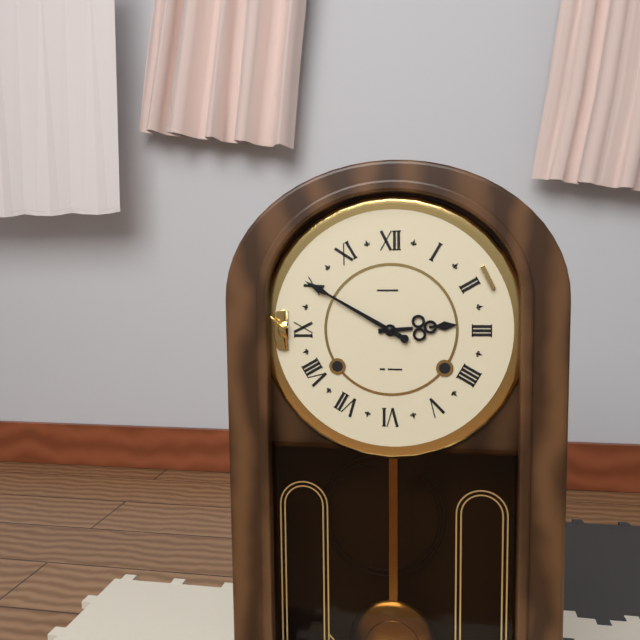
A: 2 h 50 min
